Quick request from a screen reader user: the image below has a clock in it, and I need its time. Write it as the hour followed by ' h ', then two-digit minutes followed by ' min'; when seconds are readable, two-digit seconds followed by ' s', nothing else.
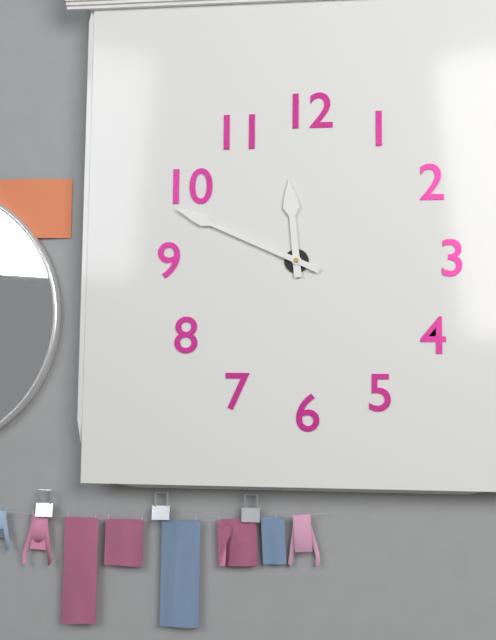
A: 11 h 49 min
